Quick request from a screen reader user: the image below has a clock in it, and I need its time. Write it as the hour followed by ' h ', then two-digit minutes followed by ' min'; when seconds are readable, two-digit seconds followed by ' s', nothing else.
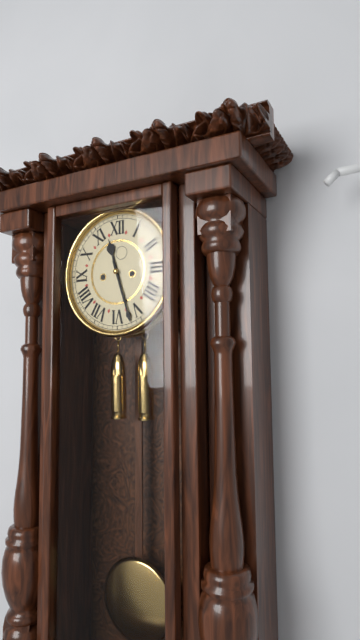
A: 11 h 27 min
